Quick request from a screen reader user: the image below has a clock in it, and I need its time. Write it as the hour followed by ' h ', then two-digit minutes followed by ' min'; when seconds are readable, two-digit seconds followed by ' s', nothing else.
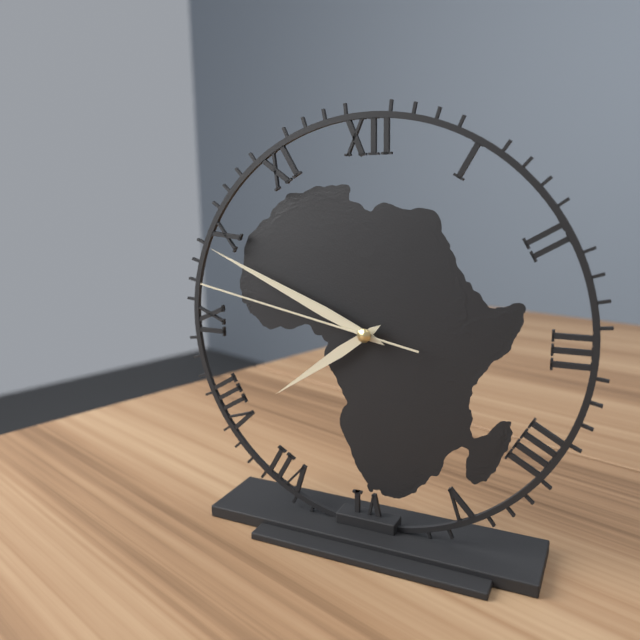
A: 7 h 49 min 47 s
